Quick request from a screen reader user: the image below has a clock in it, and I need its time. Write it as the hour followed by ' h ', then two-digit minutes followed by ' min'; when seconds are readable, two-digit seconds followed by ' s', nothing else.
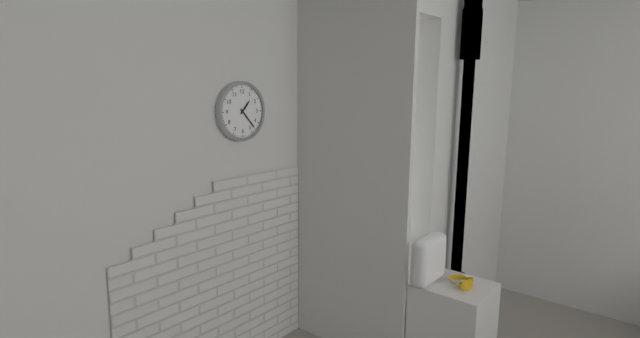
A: 1 h 23 min
